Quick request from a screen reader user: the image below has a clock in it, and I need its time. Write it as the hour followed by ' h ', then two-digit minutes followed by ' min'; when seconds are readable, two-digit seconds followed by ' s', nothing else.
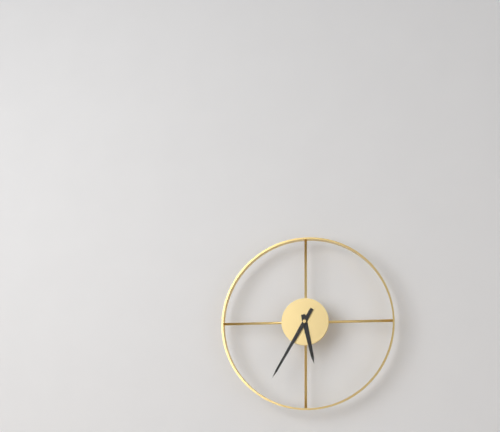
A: 5 h 35 min
